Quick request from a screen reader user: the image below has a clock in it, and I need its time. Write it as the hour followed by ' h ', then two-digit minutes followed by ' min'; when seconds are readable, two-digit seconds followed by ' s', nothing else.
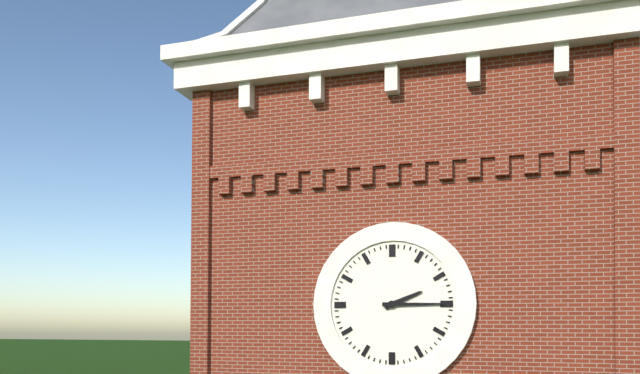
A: 2 h 15 min
